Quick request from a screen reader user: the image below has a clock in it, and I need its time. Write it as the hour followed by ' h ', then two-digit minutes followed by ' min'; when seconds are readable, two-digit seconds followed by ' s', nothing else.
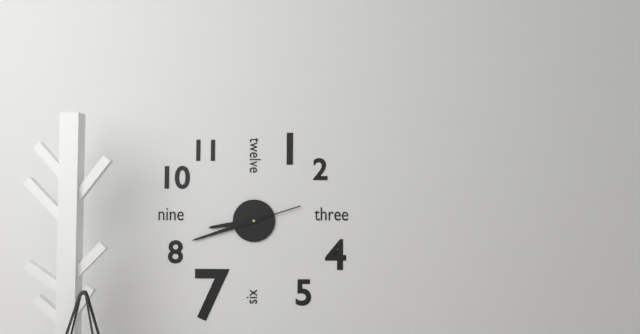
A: 8 h 42 min 12 s
